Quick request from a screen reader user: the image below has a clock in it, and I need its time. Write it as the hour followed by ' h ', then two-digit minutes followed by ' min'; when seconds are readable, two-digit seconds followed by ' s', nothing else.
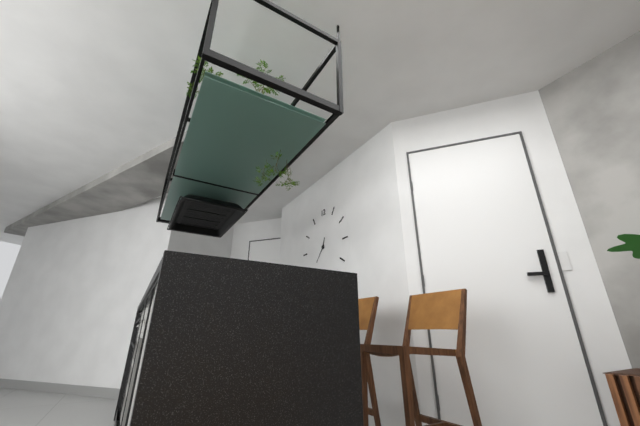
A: 12 h 37 min
